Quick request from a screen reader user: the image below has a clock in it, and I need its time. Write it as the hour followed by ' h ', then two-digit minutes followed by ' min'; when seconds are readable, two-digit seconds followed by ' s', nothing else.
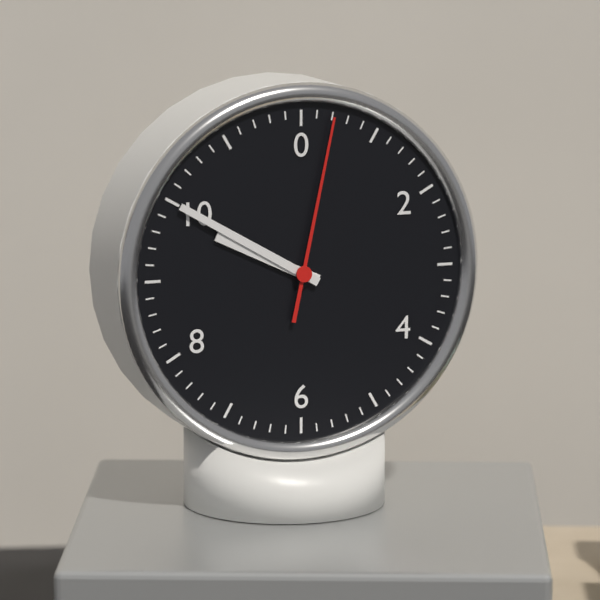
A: 9 h 50 min 02 s
